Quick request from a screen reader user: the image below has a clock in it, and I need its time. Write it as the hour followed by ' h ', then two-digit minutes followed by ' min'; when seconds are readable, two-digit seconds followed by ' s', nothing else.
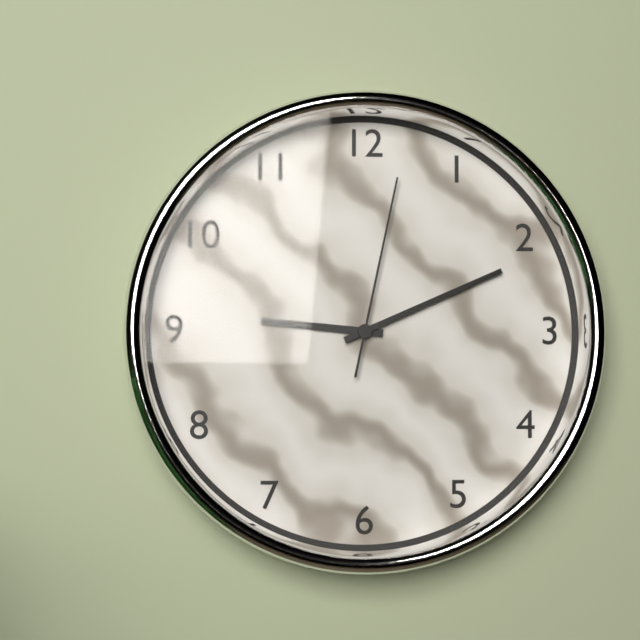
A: 9 h 11 min 02 s
